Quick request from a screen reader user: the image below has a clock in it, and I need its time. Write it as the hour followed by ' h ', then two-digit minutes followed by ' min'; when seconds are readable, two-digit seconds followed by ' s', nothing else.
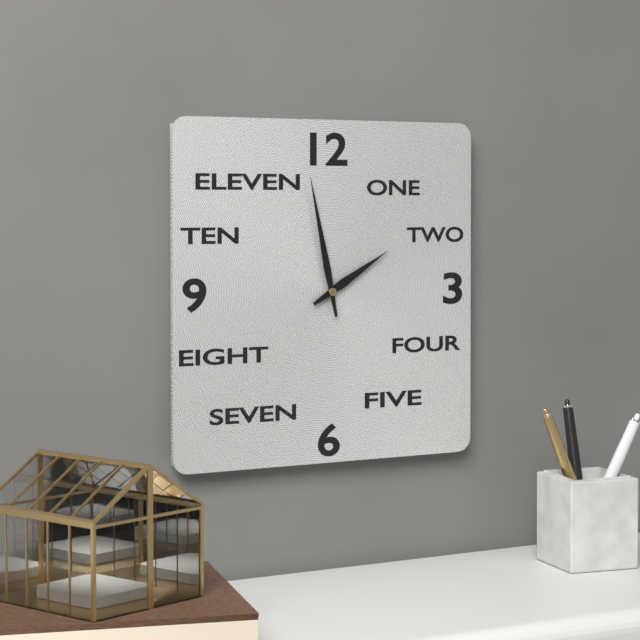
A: 1 h 58 min
